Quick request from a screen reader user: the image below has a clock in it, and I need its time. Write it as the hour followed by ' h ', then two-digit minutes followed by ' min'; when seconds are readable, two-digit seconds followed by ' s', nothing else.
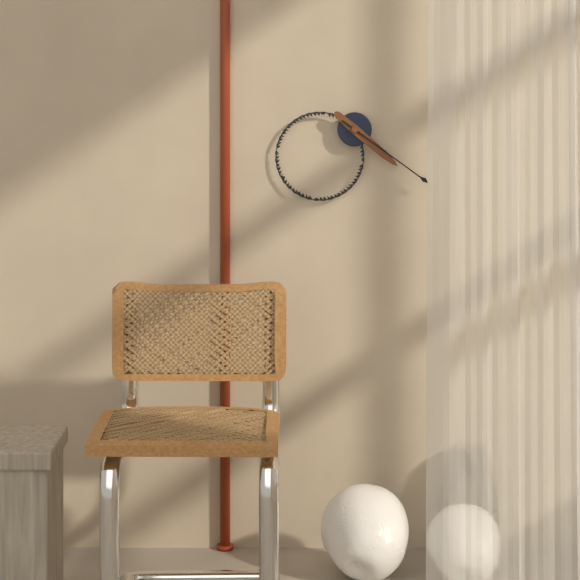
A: 4 h 21 min
